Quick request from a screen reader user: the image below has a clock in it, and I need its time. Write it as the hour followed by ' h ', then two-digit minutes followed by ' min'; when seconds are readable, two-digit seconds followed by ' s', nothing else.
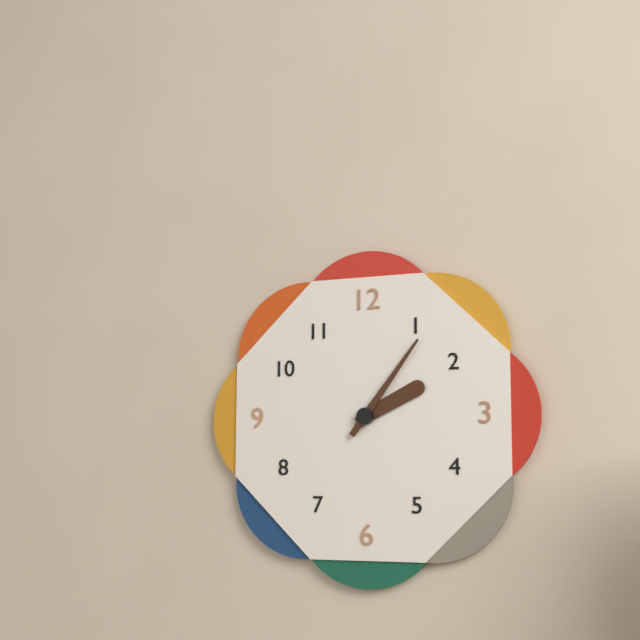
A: 2 h 06 min
